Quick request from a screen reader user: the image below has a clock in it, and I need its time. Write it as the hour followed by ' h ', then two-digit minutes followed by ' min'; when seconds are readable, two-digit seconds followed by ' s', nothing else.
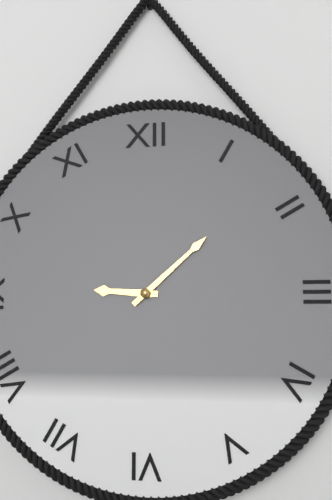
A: 9 h 08 min
